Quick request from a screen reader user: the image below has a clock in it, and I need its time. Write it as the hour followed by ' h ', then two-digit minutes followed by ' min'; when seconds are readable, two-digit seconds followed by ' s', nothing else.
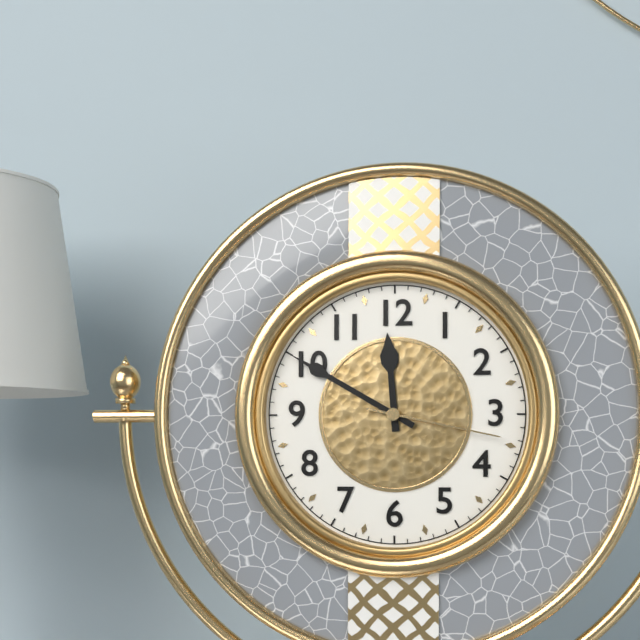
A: 11 h 50 min 17 s
